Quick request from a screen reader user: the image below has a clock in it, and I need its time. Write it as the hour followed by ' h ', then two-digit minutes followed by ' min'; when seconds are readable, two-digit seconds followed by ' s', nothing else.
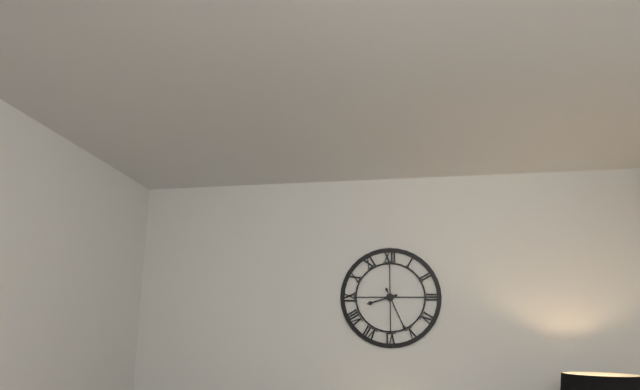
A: 8 h 26 min
